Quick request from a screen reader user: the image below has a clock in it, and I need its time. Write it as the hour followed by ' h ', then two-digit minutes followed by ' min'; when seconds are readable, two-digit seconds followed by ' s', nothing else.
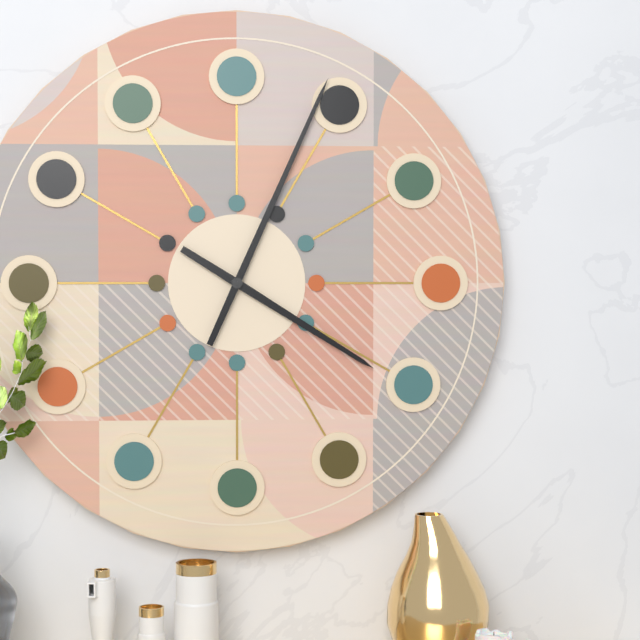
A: 4 h 04 min
